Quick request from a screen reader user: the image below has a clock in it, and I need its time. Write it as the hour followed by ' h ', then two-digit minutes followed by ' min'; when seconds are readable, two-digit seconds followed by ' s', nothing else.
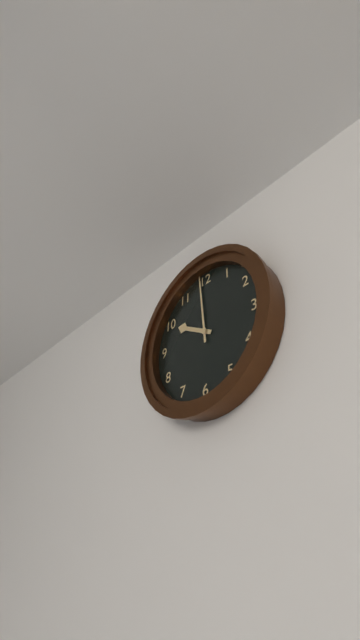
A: 9 h 59 min
